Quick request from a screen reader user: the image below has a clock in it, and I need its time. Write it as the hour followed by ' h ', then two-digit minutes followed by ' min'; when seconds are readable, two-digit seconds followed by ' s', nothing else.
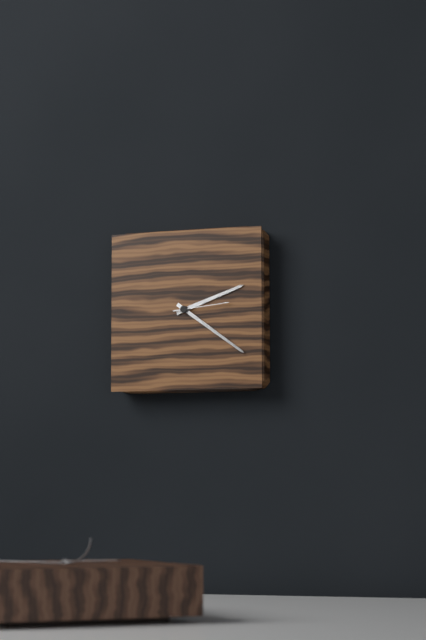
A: 2 h 21 min 14 s
